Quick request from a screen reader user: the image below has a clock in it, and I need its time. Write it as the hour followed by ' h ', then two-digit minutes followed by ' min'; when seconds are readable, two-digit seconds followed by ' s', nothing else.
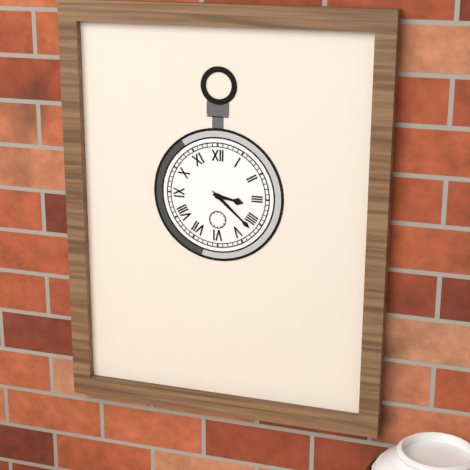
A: 3 h 22 min
